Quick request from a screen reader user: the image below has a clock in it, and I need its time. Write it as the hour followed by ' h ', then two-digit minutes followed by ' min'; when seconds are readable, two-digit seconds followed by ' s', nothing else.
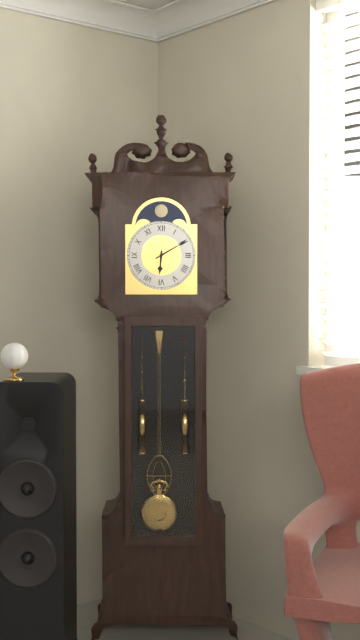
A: 6 h 10 min
